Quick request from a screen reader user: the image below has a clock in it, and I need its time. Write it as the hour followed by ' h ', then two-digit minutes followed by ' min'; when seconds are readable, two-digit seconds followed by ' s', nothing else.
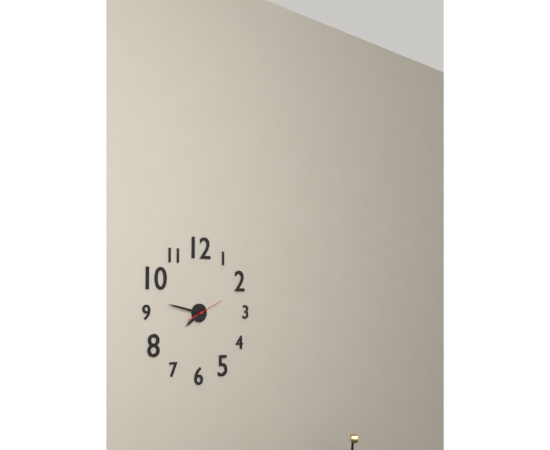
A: 7 h 47 min
